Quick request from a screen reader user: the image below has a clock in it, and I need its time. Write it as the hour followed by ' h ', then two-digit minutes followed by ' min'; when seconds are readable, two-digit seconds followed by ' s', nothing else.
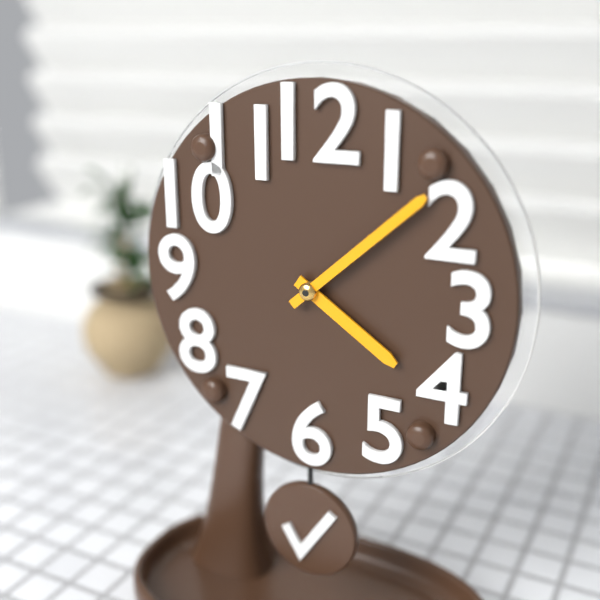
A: 4 h 08 min
